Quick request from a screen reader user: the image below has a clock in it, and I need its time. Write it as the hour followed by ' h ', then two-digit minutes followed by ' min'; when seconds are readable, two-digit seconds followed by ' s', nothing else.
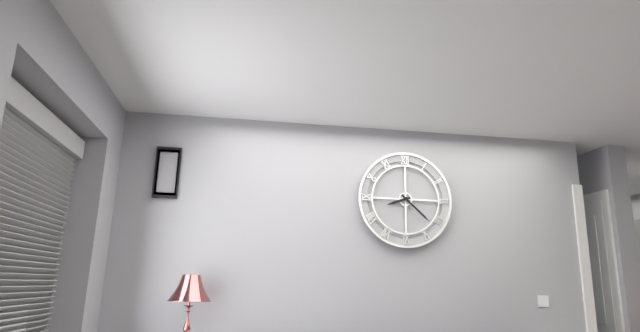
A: 8 h 22 min
